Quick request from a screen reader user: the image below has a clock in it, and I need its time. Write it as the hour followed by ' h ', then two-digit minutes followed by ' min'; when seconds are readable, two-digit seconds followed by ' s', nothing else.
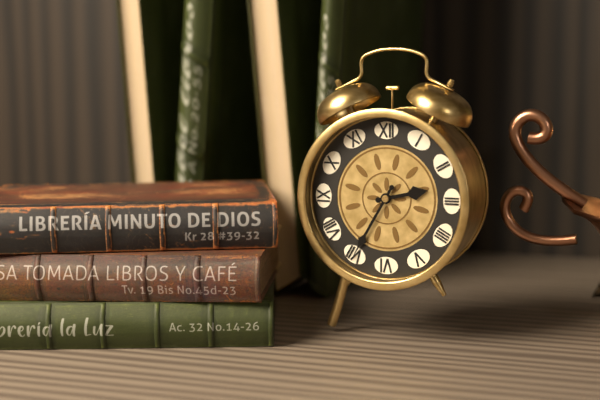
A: 2 h 35 min
